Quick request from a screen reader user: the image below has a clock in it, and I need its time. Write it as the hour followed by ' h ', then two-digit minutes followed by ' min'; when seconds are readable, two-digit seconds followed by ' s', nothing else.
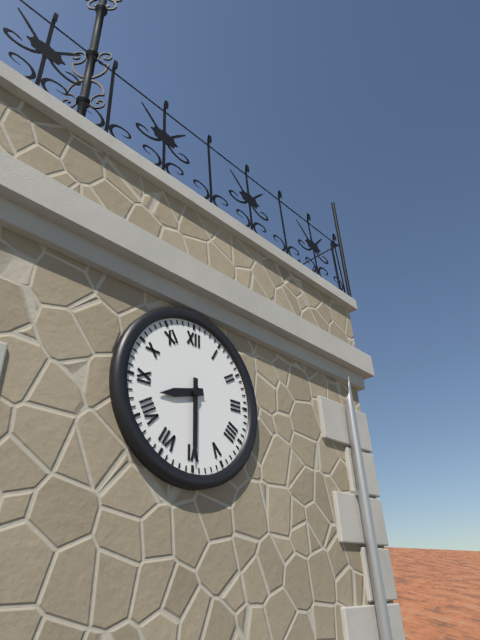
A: 8 h 30 min
